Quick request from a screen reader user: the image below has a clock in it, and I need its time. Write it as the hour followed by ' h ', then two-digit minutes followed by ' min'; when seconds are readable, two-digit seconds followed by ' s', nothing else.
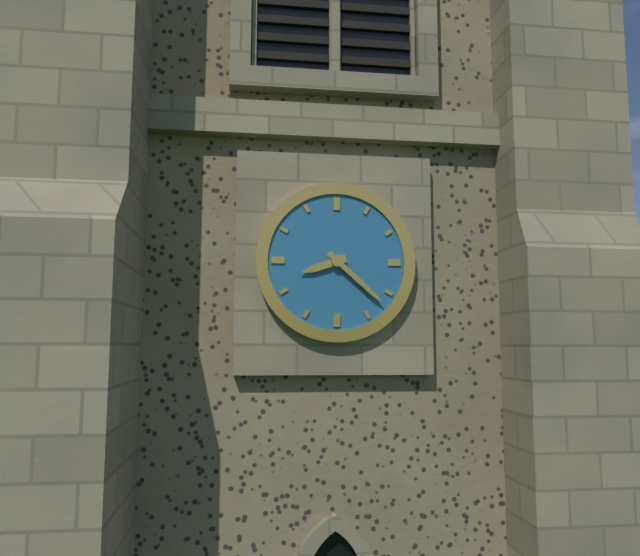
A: 8 h 22 min
